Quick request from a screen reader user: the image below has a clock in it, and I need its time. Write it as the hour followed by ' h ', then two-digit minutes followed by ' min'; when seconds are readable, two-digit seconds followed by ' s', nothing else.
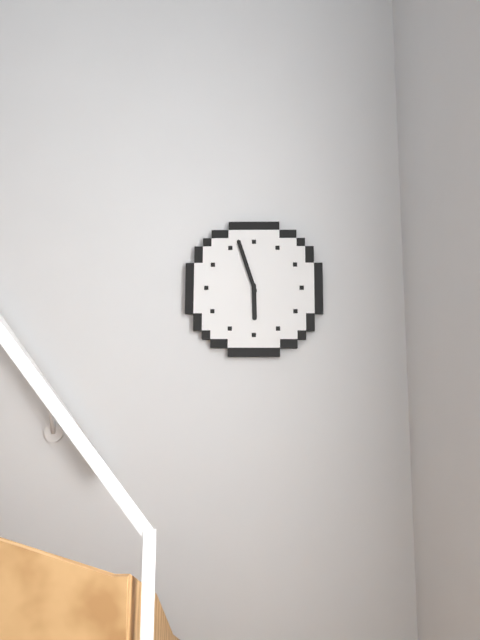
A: 5 h 57 min
